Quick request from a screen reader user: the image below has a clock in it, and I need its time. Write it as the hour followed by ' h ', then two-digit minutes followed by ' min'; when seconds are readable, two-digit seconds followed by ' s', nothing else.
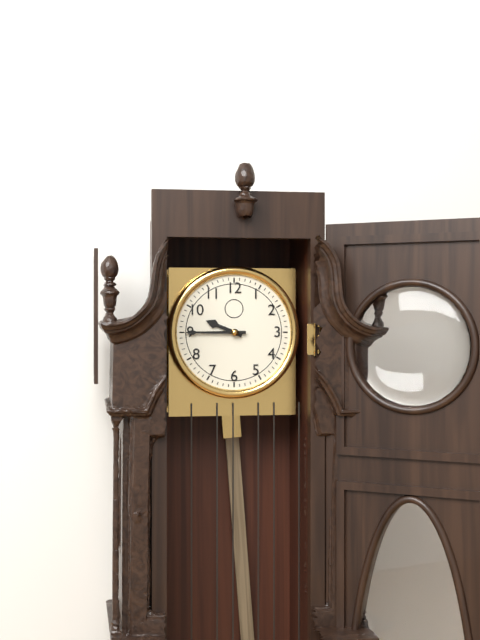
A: 9 h 45 min
